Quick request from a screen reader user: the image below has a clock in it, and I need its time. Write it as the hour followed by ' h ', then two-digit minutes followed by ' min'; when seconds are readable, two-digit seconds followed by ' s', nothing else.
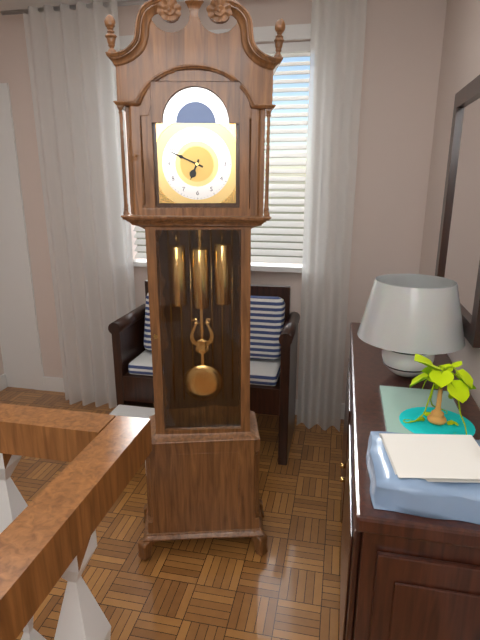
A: 6 h 49 min
